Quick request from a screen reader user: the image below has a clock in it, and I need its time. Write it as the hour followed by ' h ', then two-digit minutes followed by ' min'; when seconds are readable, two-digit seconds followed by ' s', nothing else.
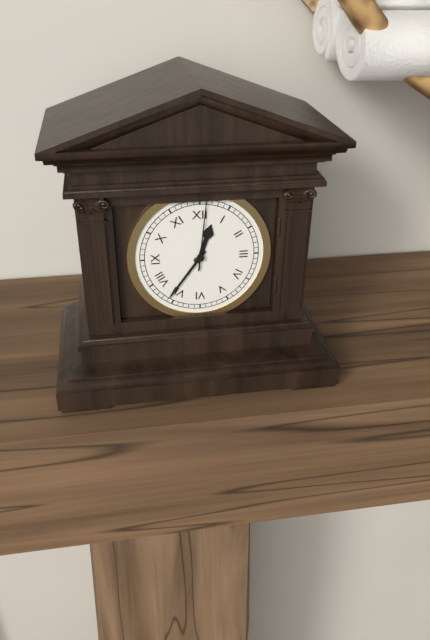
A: 12 h 36 min 01 s
